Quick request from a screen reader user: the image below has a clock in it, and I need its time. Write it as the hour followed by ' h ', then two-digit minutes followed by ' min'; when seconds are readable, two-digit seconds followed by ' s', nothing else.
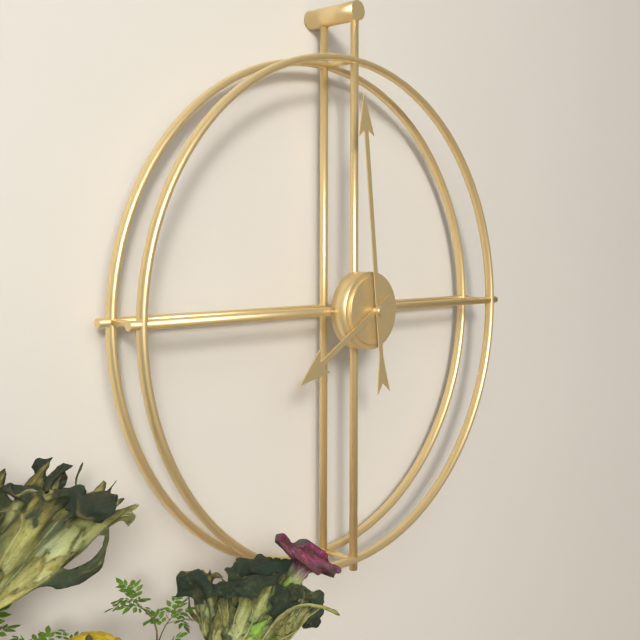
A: 7 h 59 min
